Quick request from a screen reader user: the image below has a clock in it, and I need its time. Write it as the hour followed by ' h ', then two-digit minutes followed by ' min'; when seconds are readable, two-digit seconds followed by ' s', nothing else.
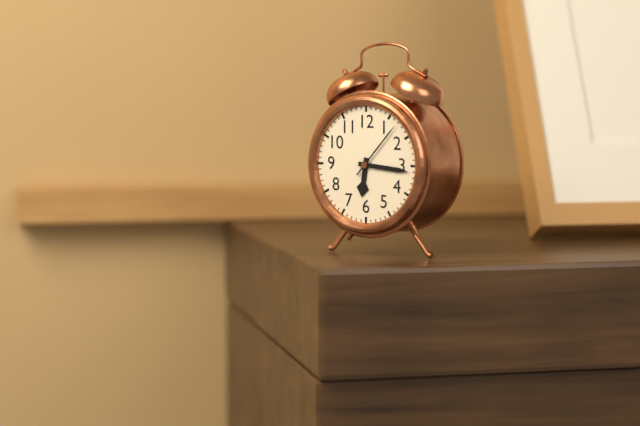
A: 6 h 16 min 07 s
